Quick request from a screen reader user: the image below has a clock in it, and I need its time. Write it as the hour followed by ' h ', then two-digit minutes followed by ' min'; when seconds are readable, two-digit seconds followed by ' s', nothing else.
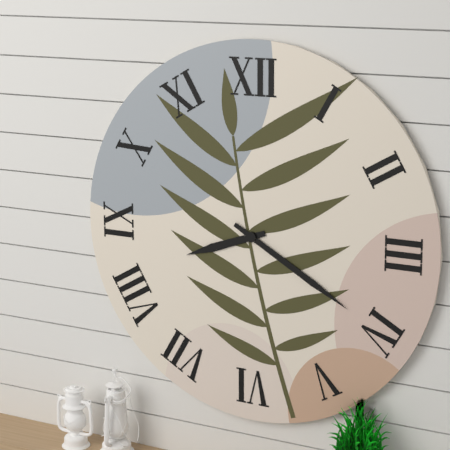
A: 8 h 20 min
